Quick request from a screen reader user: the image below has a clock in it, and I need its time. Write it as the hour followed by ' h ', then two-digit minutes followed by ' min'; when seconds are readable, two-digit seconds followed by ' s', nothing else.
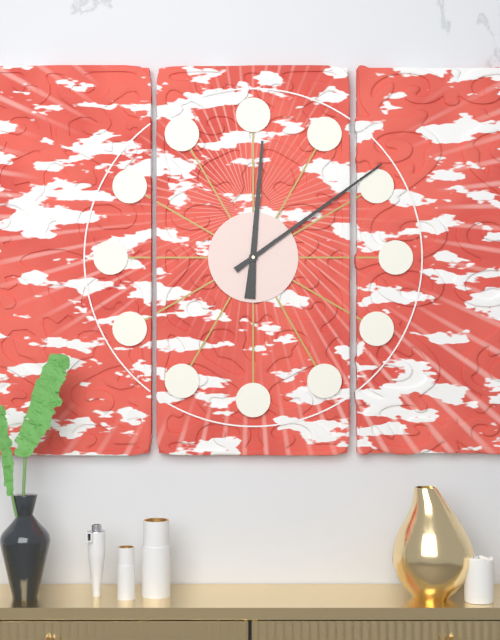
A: 12 h 09 min
